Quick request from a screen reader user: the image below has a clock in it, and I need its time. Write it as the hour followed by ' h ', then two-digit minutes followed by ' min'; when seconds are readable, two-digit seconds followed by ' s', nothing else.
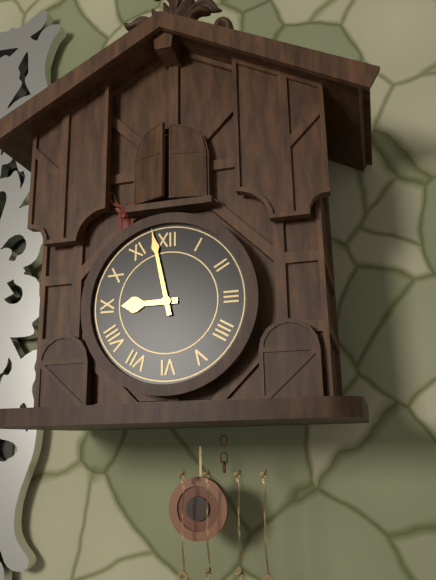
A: 8 h 58 min
